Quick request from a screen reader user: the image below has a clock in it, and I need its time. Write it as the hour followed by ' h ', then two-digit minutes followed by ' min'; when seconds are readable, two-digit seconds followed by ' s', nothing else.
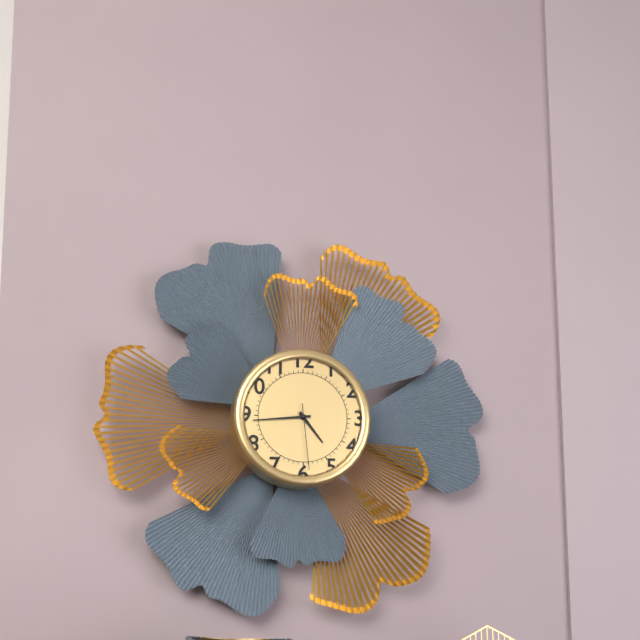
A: 4 h 44 min 29 s
